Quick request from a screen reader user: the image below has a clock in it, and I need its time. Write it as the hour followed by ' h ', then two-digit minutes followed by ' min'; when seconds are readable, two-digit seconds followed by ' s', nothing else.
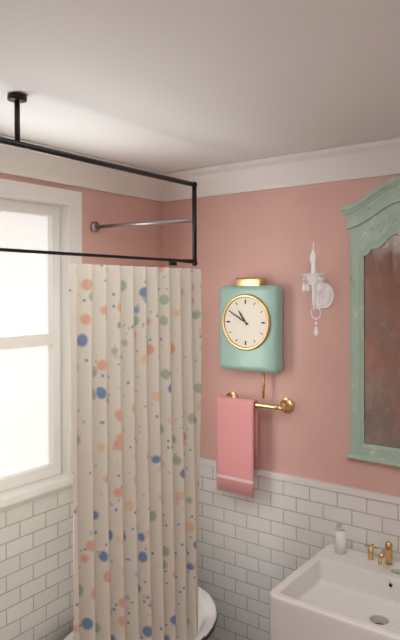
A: 10 h 50 min
